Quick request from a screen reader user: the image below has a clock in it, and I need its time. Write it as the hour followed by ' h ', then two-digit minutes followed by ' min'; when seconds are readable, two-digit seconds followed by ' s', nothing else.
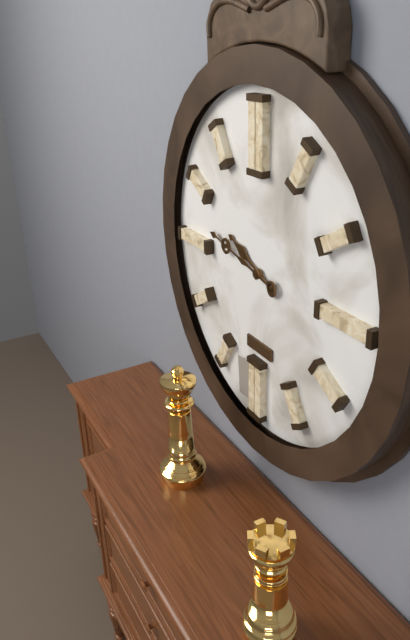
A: 9 h 47 min
